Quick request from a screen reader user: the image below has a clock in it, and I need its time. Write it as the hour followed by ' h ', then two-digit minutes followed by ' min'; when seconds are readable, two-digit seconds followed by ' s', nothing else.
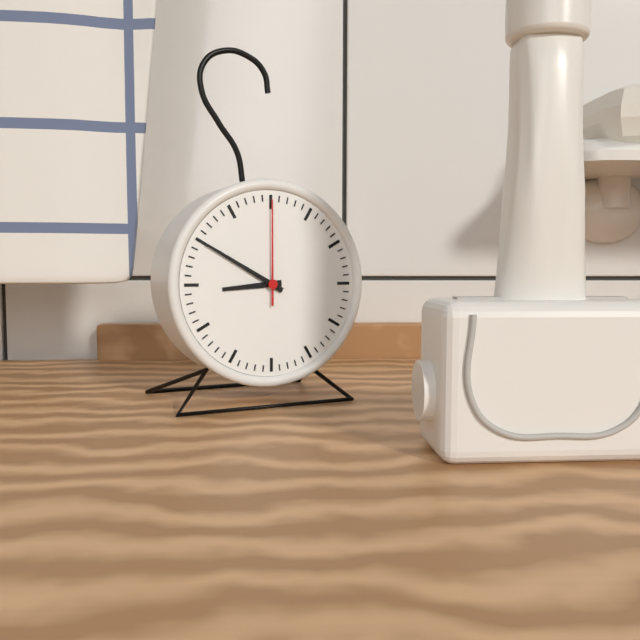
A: 8 h 50 min 00 s
